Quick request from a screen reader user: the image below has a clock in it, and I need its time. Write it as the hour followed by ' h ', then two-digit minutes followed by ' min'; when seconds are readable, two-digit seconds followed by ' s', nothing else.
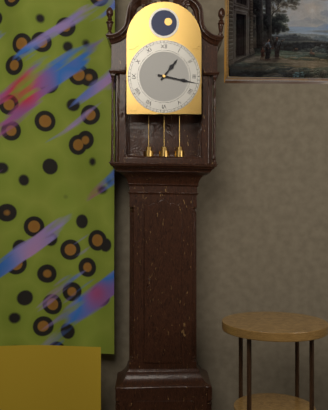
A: 1 h 17 min
